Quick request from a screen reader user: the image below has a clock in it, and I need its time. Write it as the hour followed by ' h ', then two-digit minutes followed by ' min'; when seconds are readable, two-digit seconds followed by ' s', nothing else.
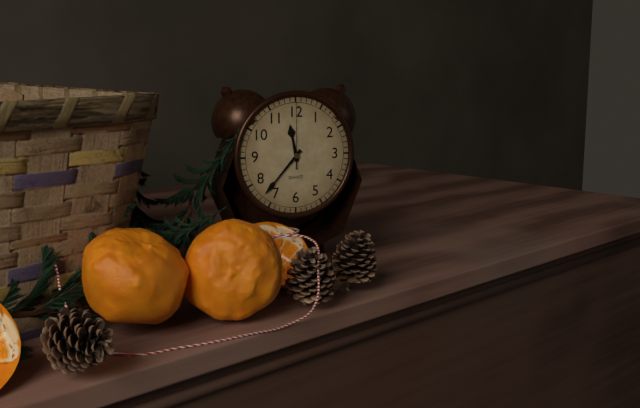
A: 11 h 37 min 00 s
